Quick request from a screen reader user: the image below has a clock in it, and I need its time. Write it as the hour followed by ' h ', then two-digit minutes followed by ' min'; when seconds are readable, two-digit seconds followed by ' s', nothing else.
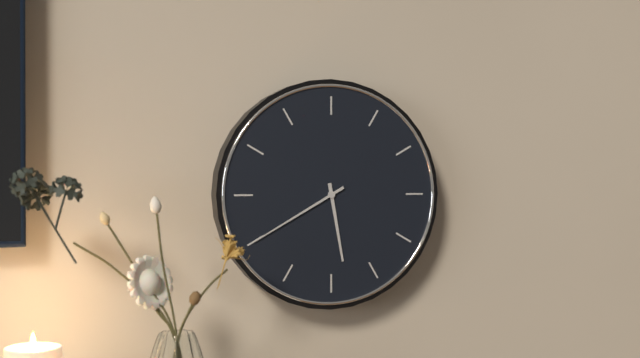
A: 5 h 40 min
